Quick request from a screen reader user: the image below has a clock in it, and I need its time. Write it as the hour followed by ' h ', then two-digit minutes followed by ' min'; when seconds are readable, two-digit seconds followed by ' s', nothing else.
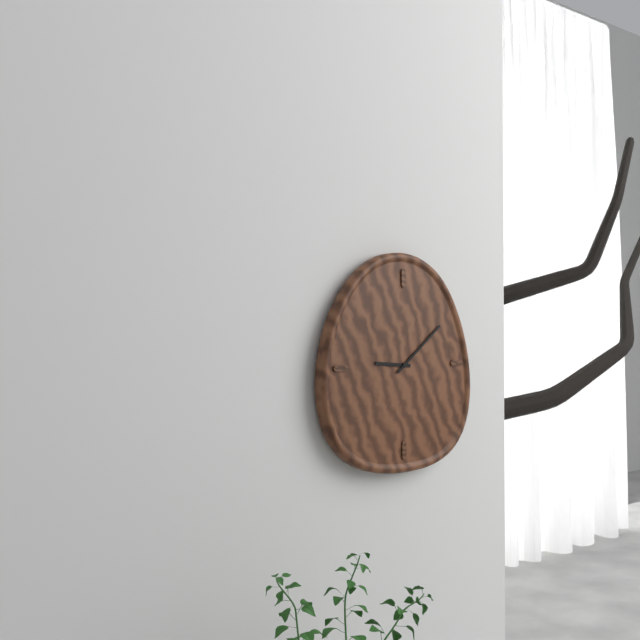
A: 9 h 09 min
